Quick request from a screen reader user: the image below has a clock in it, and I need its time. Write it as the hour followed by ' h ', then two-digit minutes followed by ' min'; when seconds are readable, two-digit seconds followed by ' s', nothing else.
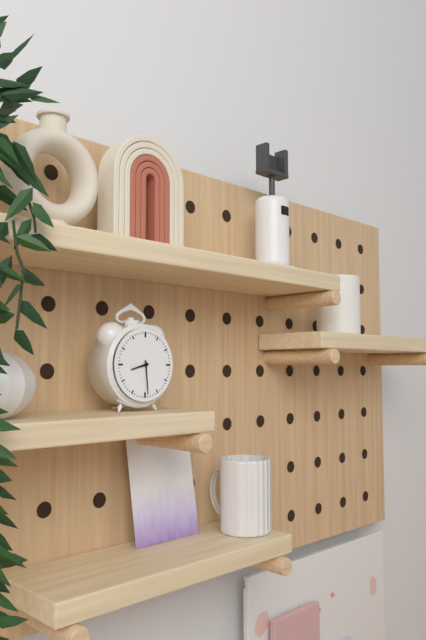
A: 8 h 29 min
